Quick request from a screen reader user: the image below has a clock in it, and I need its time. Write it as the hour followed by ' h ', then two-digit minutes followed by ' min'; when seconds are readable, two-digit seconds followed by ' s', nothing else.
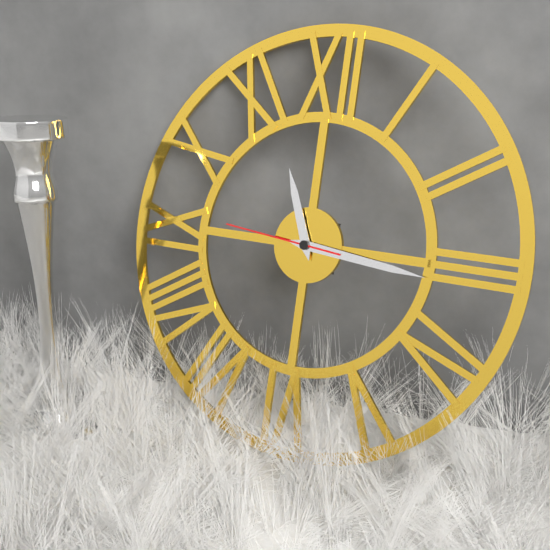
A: 11 h 16 min 46 s
